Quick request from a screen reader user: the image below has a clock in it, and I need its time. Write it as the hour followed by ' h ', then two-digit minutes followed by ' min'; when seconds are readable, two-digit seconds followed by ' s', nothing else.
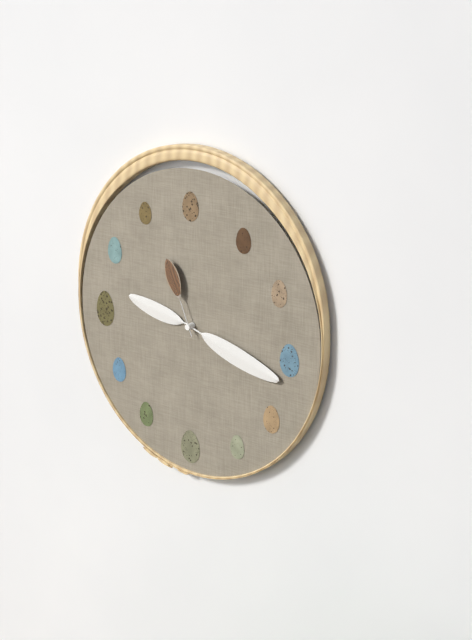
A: 9 h 18 min 56 s
